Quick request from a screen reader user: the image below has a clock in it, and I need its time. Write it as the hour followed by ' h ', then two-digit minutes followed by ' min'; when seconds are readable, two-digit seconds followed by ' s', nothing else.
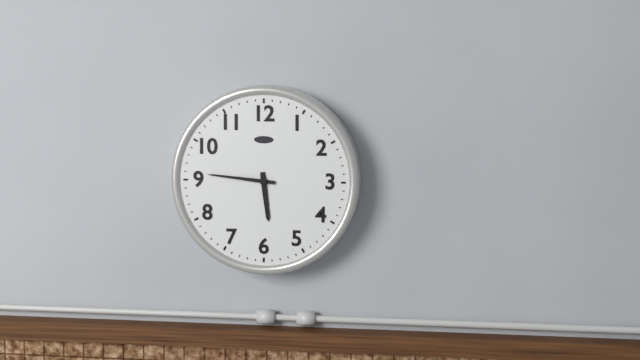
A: 5 h 46 min
